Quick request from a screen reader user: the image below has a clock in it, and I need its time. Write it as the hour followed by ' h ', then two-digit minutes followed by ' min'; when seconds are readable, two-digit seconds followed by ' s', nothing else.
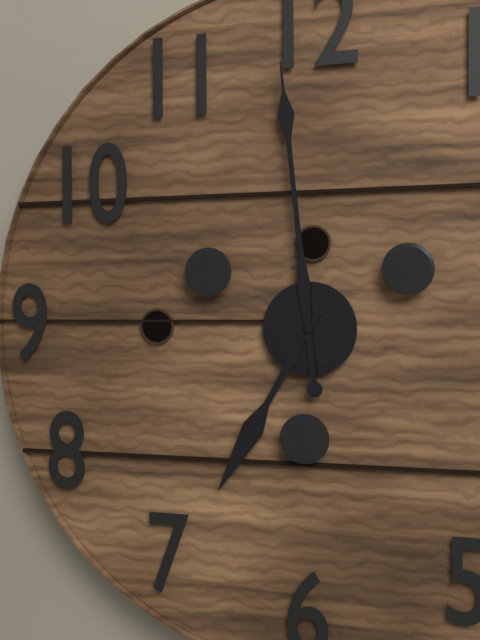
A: 6 h 59 min
